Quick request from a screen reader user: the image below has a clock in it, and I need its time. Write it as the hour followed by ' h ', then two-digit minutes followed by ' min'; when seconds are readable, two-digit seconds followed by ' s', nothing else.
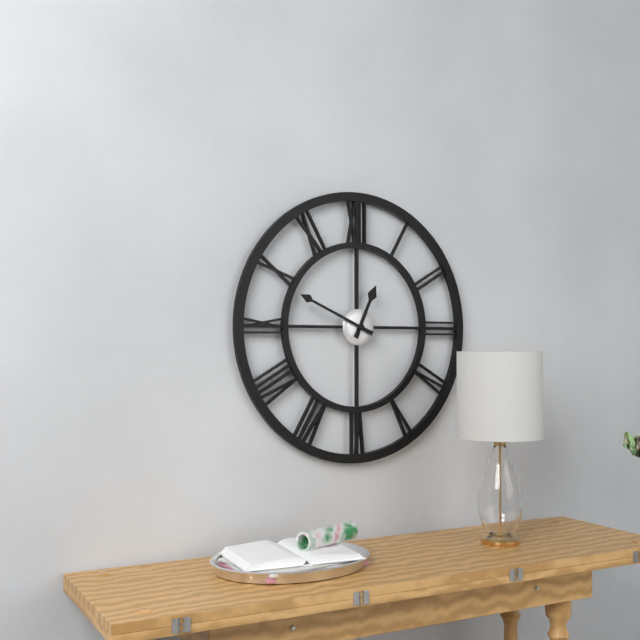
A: 12 h 49 min
